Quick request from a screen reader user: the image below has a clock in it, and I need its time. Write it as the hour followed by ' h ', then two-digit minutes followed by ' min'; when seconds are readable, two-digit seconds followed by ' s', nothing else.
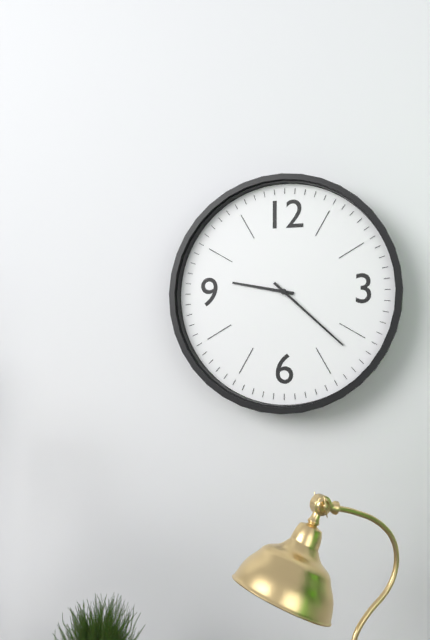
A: 9 h 22 min
